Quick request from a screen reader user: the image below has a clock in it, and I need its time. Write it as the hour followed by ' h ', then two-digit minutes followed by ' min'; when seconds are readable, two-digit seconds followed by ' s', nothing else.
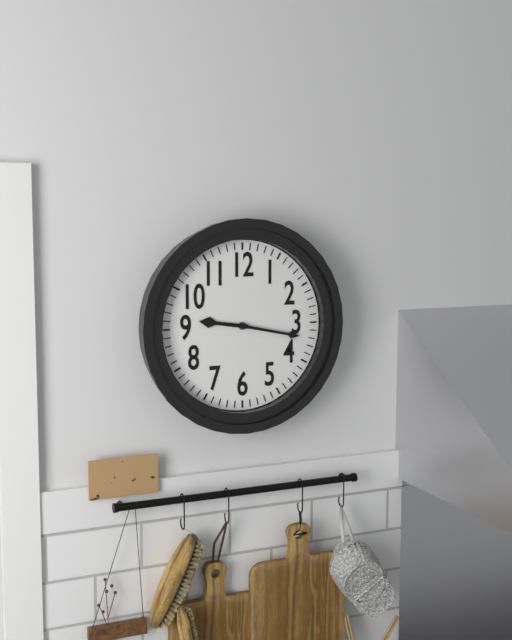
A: 9 h 17 min
